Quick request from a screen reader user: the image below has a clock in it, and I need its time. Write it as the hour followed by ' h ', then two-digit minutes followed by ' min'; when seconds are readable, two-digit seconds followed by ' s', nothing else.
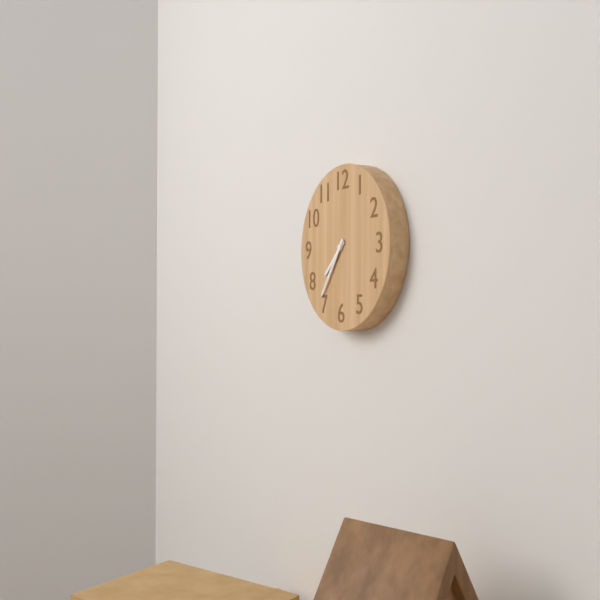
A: 7 h 36 min
